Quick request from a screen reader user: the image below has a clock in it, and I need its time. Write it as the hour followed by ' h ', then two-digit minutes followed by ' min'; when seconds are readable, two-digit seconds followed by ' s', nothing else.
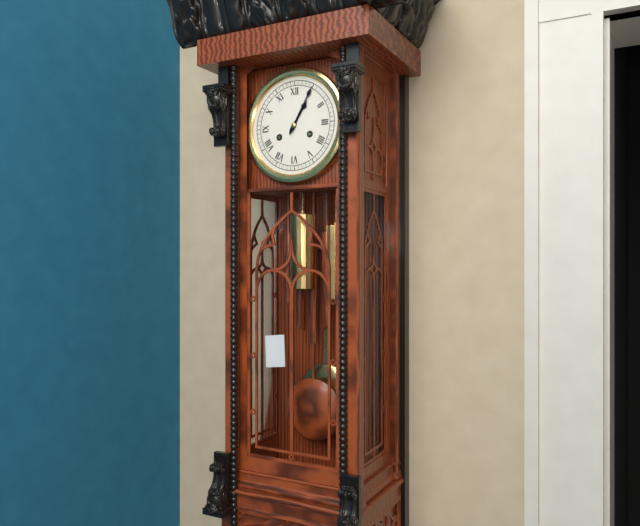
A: 1 h 05 min
